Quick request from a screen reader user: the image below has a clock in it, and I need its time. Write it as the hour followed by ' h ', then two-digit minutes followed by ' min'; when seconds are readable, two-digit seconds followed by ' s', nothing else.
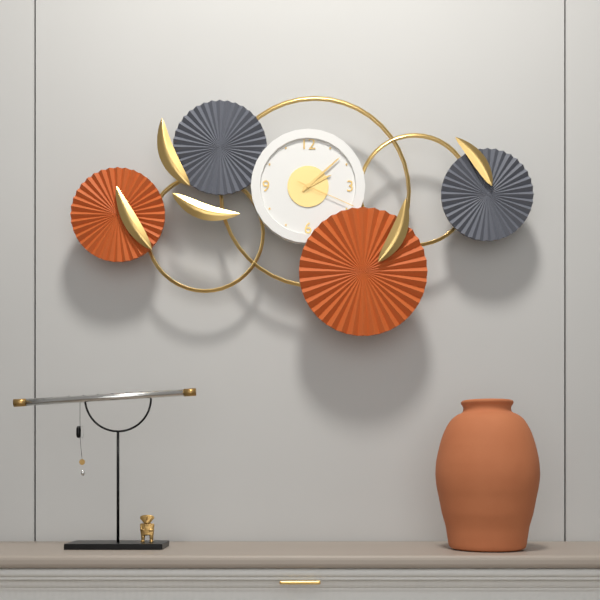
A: 2 h 08 min 19 s
